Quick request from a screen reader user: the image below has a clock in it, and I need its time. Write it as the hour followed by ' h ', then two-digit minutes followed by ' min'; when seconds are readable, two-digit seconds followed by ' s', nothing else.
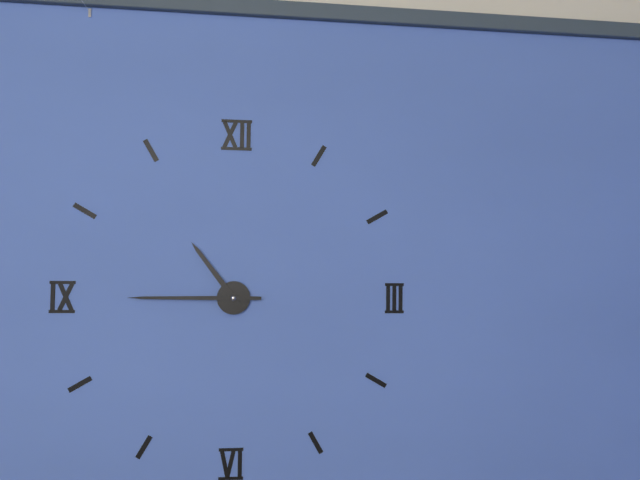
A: 10 h 45 min
